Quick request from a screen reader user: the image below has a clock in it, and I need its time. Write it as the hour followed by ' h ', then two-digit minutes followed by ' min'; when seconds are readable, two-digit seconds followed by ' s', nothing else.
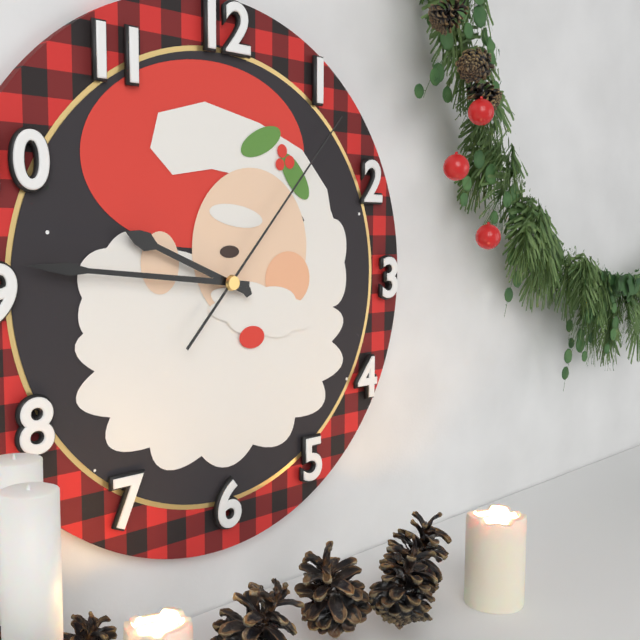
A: 9 h 46 min 07 s
